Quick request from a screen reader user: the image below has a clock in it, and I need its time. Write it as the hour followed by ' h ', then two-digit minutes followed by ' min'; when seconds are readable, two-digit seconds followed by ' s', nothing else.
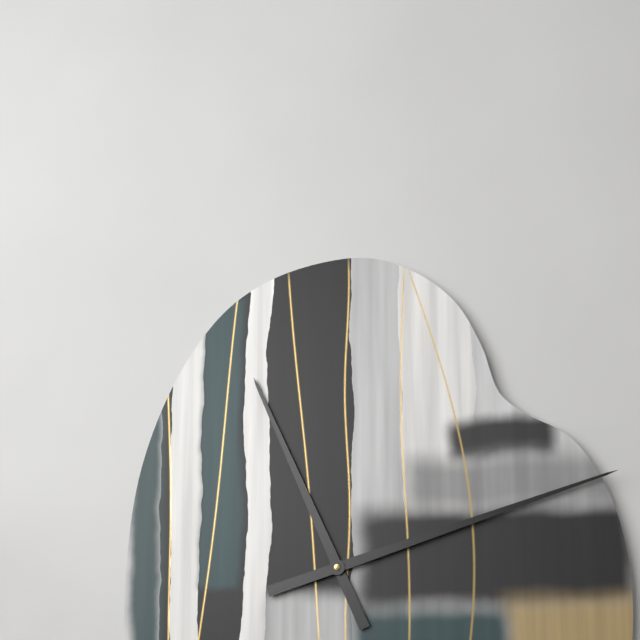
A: 11 h 12 min
